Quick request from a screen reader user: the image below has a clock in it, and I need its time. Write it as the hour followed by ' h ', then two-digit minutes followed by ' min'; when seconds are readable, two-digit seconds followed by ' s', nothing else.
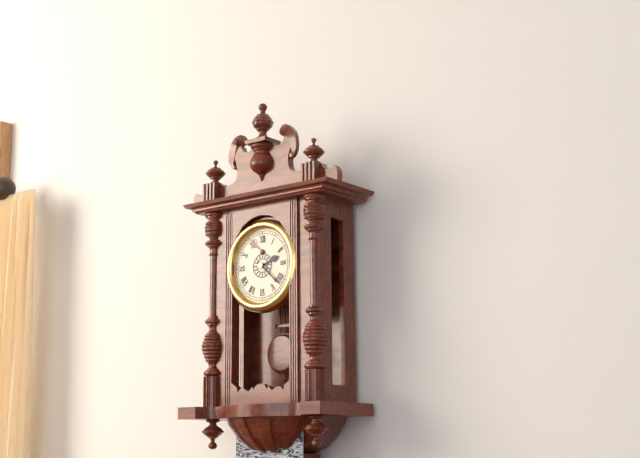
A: 2 h 22 min
